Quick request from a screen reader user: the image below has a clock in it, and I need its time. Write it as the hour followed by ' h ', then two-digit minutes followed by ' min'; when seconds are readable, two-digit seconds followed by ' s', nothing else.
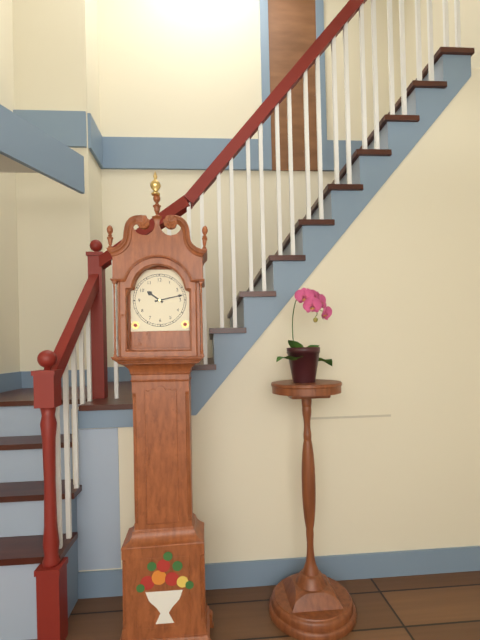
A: 10 h 13 min
